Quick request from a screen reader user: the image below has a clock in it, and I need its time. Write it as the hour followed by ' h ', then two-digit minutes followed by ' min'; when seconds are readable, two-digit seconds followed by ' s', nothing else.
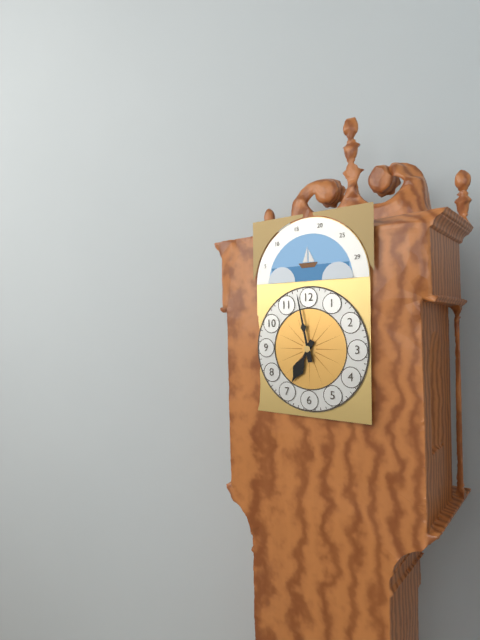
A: 6 h 58 min
